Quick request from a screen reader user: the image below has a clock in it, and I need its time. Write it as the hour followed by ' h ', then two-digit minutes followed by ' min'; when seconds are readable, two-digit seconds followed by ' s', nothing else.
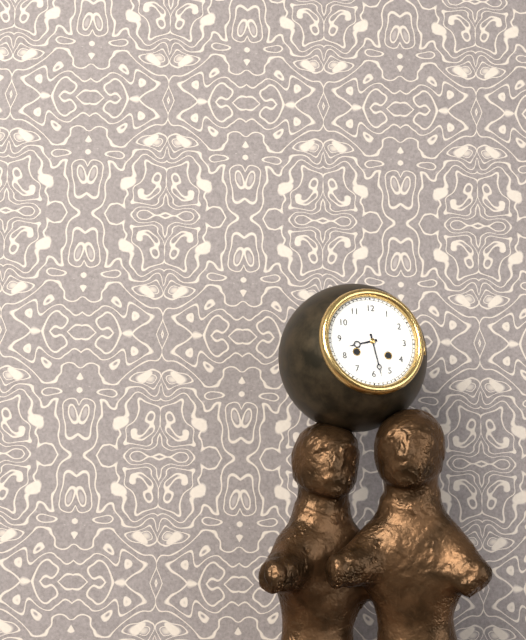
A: 8 h 28 min
